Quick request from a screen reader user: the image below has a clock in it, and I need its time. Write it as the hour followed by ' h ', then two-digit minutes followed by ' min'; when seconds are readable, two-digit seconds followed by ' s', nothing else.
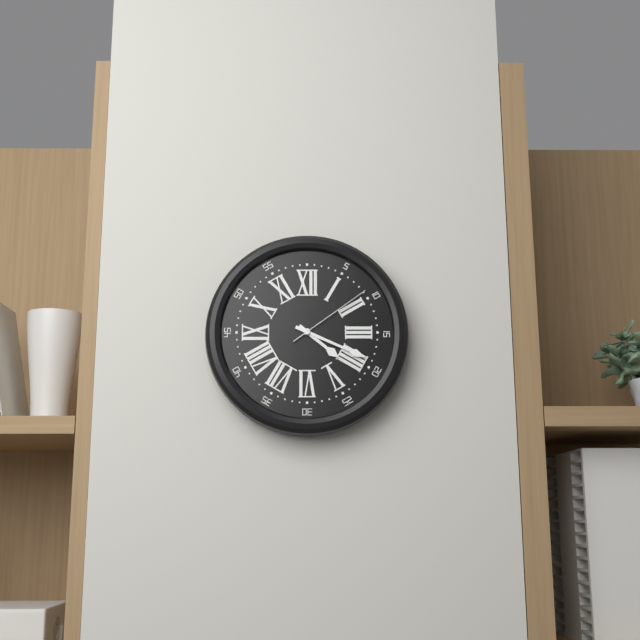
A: 4 h 19 min 09 s
